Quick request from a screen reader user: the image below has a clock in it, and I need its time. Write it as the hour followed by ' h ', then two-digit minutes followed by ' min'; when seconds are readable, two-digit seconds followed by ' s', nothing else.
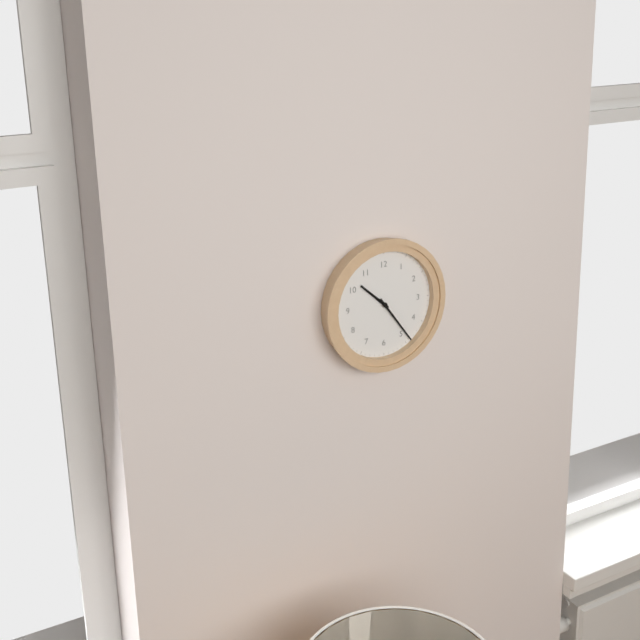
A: 10 h 24 min
